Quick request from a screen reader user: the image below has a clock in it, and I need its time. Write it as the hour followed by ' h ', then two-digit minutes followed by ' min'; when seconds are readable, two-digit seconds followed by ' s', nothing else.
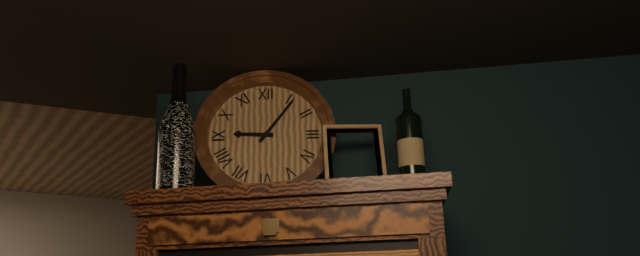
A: 9 h 06 min
